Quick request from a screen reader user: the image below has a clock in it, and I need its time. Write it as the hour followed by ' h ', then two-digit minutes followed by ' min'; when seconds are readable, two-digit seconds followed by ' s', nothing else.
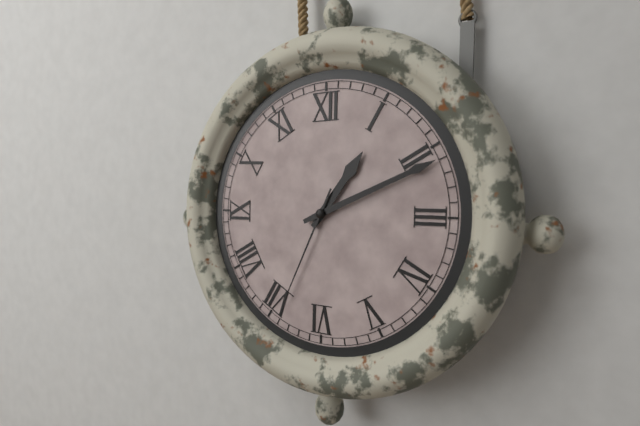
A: 1 h 11 min 34 s
